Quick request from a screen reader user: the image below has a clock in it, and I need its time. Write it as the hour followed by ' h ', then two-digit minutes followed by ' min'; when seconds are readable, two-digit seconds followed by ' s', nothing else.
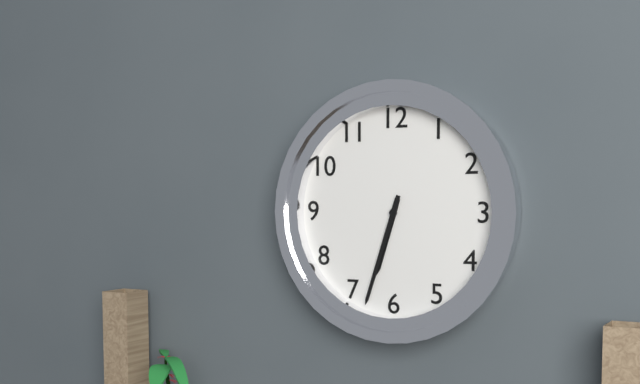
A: 6 h 33 min
